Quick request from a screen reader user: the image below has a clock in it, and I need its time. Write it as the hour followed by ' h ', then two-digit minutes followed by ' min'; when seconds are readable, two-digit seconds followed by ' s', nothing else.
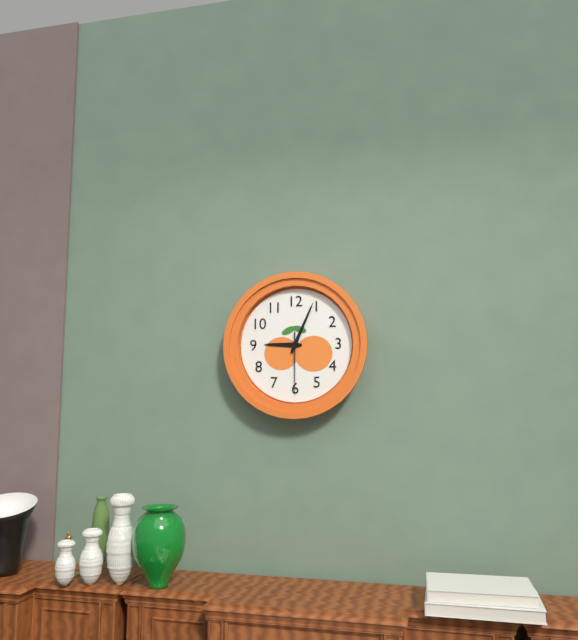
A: 9 h 04 min 30 s
